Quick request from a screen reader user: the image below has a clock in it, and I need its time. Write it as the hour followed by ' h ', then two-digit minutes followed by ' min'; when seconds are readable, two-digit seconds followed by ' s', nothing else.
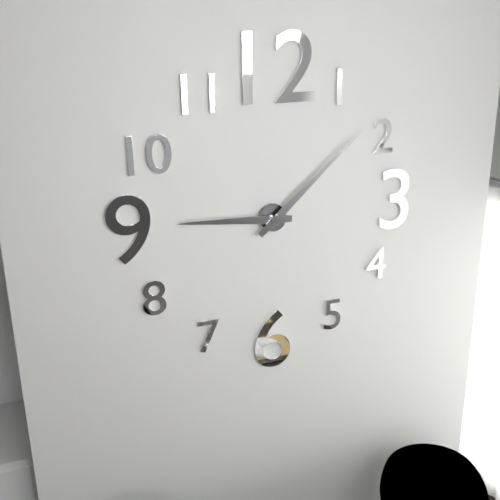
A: 9 h 08 min
